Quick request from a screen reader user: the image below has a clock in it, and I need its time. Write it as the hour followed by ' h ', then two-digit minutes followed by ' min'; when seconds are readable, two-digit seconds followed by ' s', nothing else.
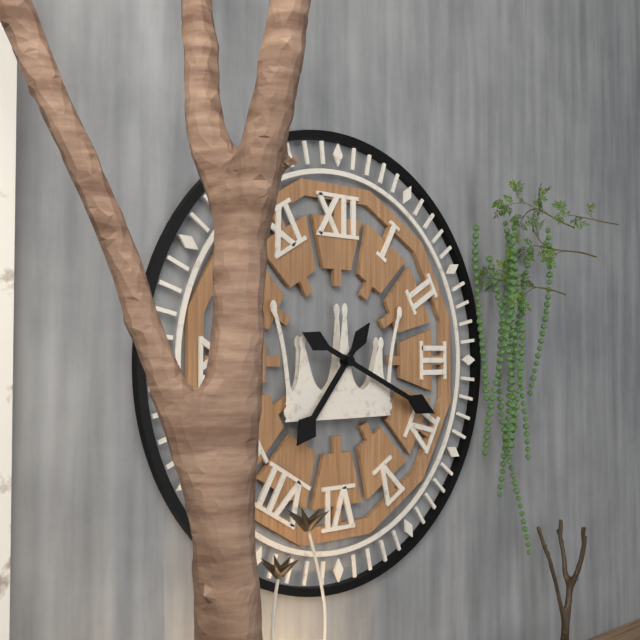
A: 7 h 19 min
